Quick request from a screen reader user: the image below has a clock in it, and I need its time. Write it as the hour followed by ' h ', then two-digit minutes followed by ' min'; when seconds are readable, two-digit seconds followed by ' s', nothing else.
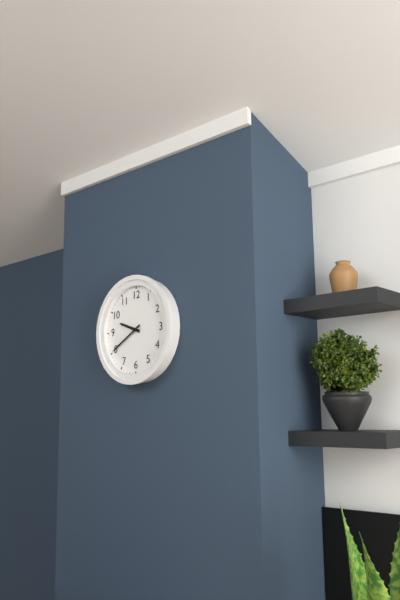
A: 9 h 40 min
